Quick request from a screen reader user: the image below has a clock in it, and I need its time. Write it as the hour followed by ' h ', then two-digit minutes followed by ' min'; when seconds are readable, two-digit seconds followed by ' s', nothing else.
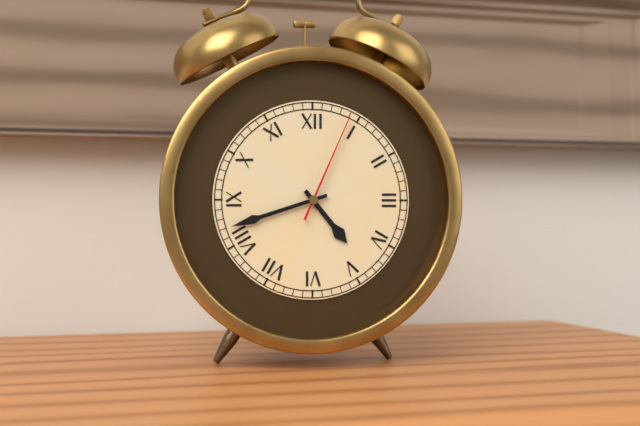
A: 4 h 42 min 04 s
